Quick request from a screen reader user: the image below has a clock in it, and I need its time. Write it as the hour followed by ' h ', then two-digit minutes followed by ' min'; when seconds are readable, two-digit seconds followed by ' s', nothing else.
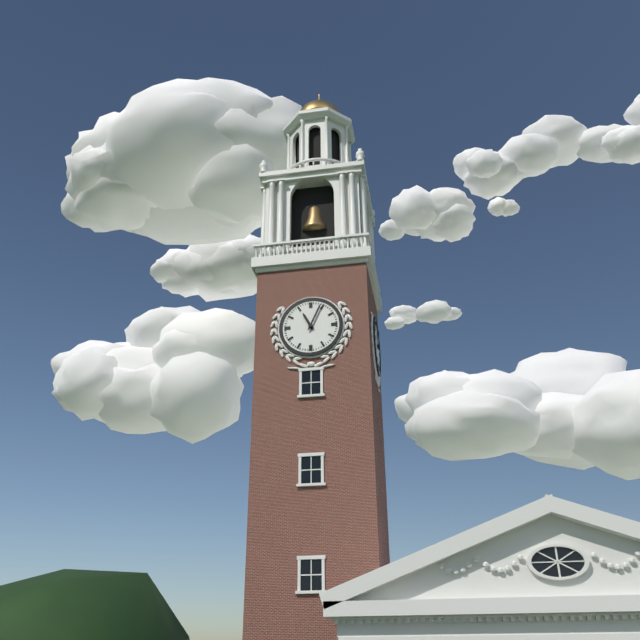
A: 11 h 04 min
